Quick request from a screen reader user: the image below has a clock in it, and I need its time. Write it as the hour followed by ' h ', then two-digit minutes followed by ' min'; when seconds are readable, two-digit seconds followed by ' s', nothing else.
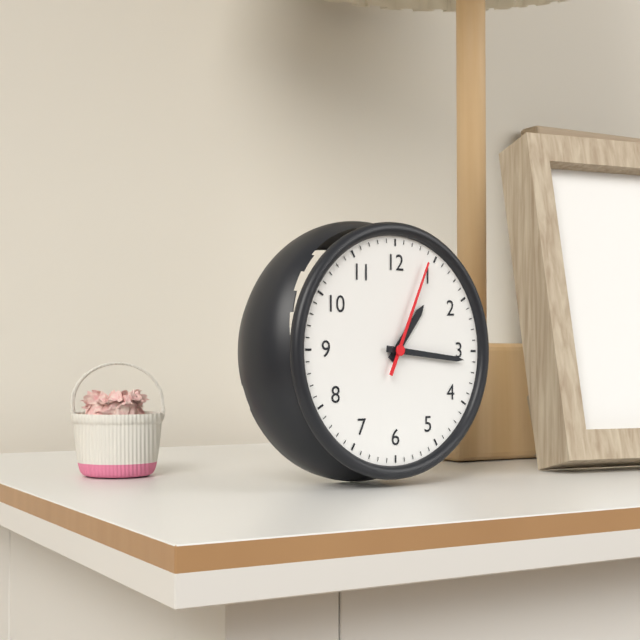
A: 1 h 16 min 04 s
